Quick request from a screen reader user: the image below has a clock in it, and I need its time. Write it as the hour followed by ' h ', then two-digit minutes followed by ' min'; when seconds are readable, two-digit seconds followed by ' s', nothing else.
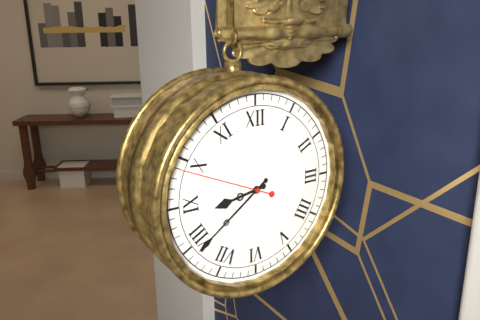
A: 8 h 39 min 49 s
